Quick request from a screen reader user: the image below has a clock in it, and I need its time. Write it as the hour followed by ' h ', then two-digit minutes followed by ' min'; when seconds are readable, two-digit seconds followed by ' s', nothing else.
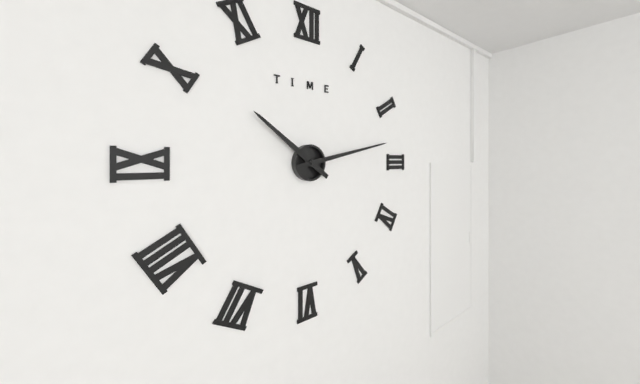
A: 10 h 13 min
